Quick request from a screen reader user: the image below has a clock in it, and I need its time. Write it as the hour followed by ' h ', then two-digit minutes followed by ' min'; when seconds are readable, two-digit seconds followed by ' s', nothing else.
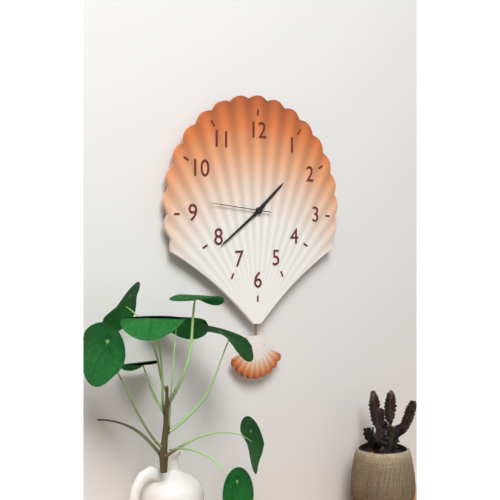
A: 1 h 39 min 46 s
